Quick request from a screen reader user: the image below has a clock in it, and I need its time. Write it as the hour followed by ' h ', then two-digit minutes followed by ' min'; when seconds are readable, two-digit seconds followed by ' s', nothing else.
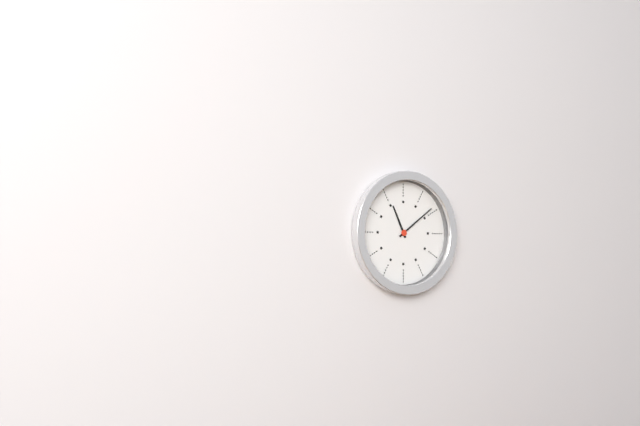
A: 11 h 09 min
